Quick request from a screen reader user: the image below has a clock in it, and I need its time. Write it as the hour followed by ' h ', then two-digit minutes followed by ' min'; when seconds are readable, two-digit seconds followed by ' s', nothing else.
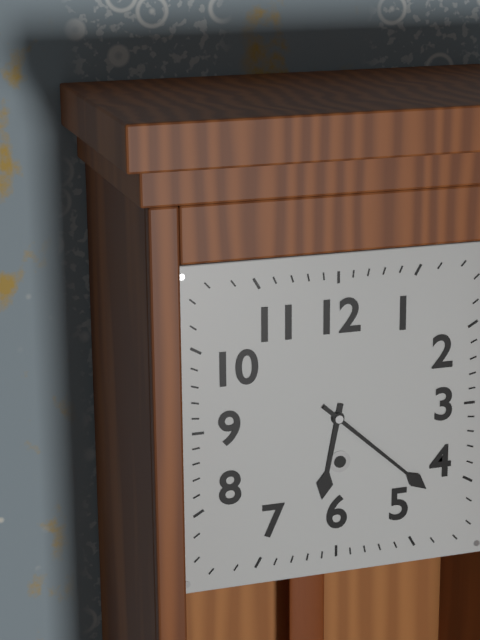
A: 6 h 22 min
